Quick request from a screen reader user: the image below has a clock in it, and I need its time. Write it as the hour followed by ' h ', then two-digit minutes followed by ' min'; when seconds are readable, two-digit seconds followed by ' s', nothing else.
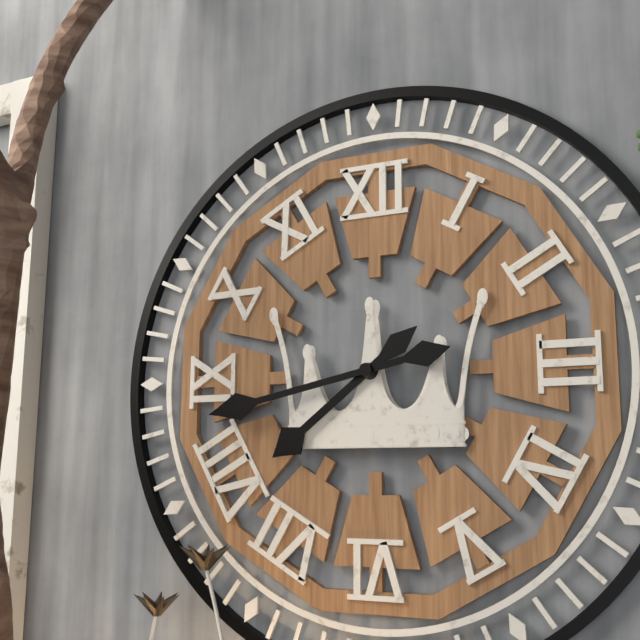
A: 7 h 43 min
